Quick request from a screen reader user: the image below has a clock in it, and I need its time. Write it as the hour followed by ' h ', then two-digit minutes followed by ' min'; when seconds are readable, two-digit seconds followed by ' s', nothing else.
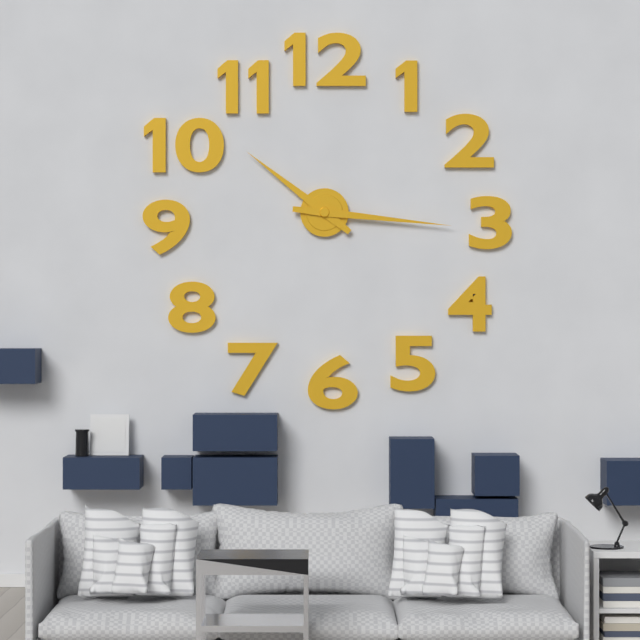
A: 10 h 16 min
